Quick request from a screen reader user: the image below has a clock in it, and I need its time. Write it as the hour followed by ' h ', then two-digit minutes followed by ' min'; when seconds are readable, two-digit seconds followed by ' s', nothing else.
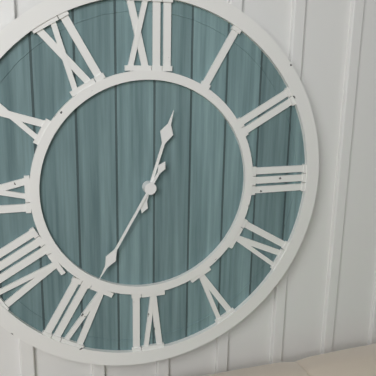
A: 12 h 35 min
